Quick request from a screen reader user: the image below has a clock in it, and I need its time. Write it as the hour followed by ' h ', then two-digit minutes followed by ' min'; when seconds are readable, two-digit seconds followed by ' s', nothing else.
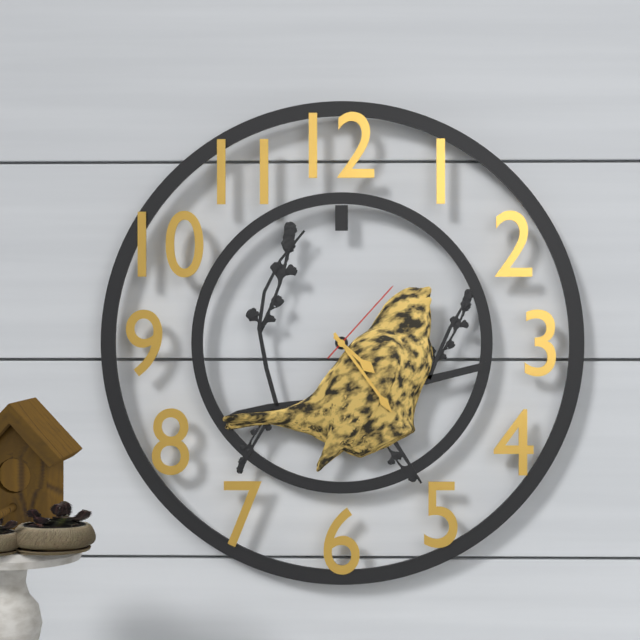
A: 4 h 24 min 07 s
